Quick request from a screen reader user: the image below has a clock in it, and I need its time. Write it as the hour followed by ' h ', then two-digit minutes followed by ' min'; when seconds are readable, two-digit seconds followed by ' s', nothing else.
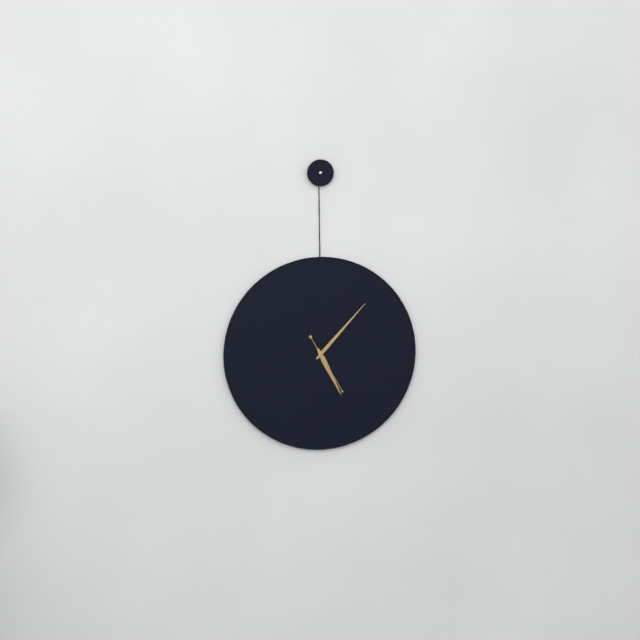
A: 5 h 07 min 25 s
